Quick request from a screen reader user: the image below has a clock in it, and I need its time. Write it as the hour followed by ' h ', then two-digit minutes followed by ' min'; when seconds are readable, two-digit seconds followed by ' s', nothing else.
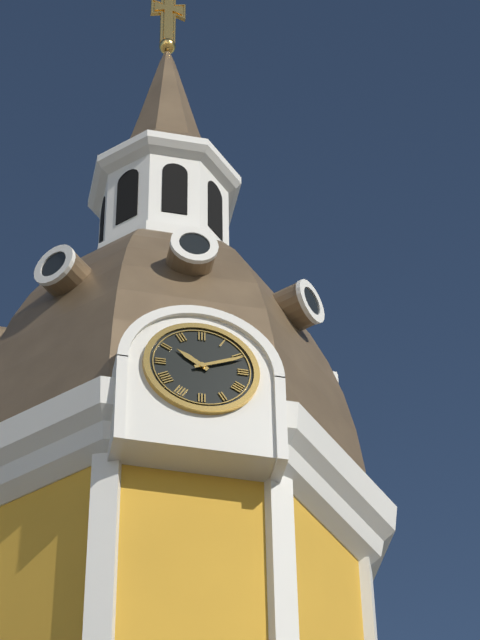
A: 10 h 11 min
